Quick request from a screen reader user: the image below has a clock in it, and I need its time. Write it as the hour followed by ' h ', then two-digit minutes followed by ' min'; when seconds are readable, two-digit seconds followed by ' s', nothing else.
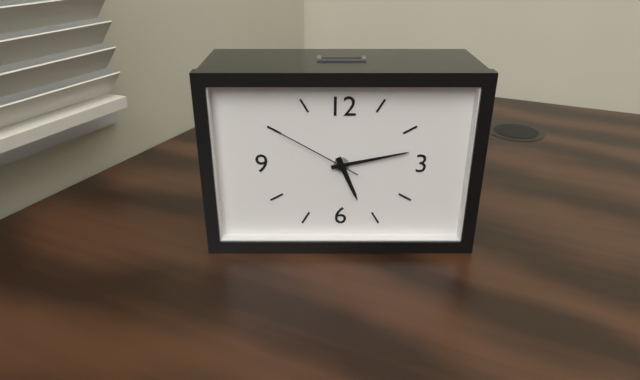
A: 5 h 13 min 50 s
